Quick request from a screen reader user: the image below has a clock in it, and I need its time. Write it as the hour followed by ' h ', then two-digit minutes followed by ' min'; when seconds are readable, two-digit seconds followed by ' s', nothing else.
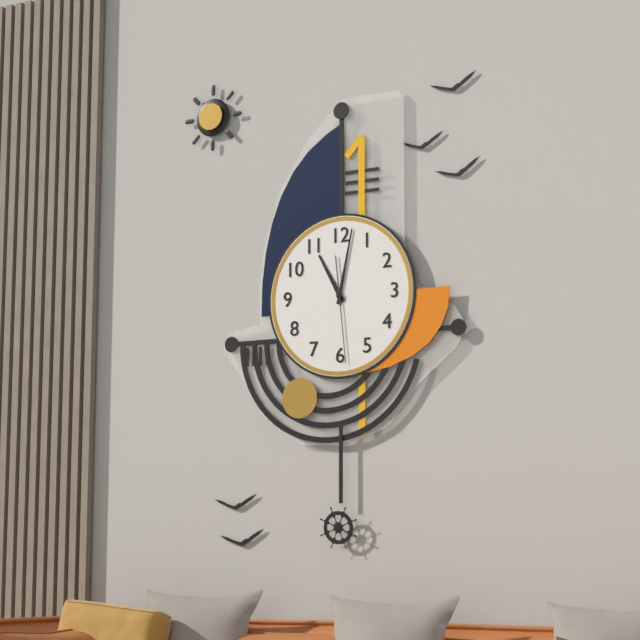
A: 11 h 02 min 29 s
